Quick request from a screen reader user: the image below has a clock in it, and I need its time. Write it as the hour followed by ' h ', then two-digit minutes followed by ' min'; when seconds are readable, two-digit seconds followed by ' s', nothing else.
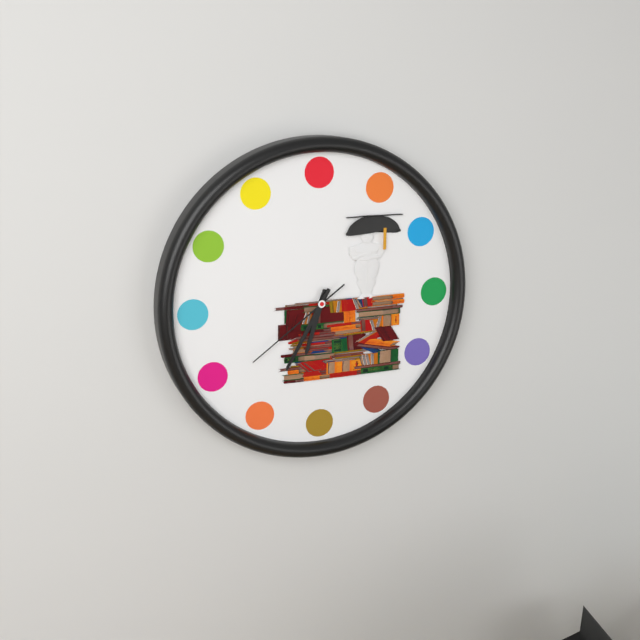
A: 6 h 35 min 39 s
